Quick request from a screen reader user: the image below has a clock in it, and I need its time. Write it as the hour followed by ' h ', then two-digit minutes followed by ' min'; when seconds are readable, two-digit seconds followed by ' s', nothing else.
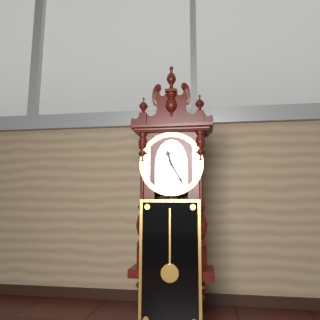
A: 11 h 25 min
